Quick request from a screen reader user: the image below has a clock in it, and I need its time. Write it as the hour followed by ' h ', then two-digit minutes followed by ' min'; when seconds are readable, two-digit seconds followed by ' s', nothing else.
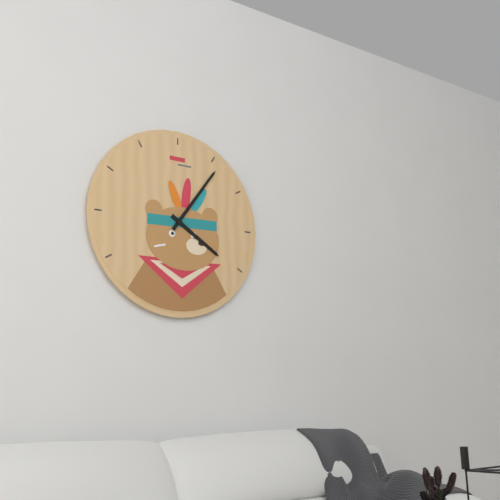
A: 4 h 06 min
